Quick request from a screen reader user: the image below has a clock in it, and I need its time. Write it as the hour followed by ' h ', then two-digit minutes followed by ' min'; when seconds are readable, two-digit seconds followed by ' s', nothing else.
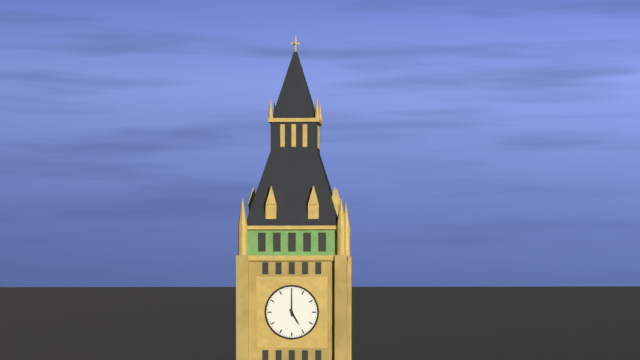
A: 5 h 00 min
